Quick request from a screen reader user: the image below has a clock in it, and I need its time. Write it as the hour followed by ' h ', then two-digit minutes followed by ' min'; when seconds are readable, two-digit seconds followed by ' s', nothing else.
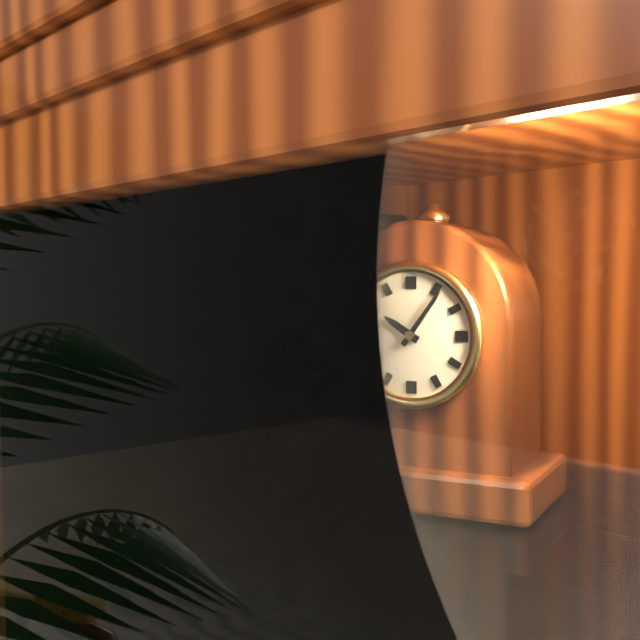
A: 10 h 06 min
